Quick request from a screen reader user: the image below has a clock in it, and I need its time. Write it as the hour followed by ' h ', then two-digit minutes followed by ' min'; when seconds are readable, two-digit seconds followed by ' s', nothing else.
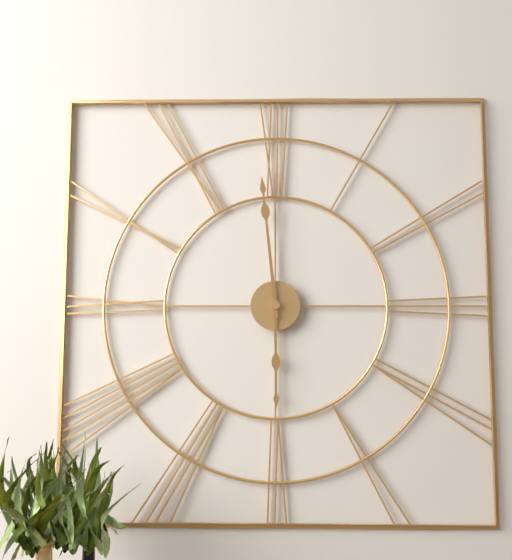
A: 5 h 59 min
